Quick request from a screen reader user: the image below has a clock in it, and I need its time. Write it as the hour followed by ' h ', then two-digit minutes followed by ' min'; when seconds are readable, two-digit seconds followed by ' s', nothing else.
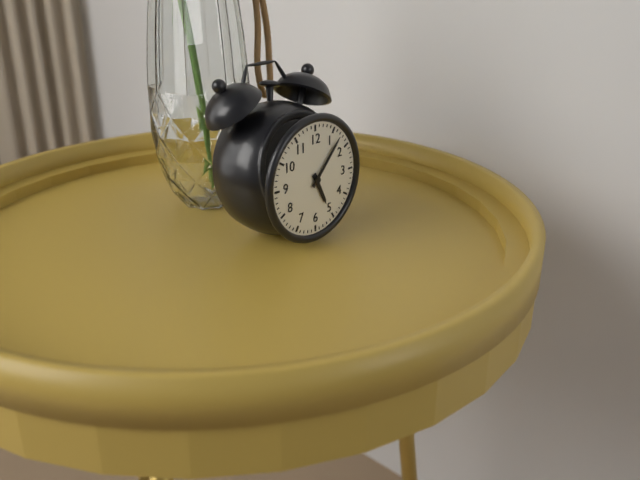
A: 5 h 07 min
